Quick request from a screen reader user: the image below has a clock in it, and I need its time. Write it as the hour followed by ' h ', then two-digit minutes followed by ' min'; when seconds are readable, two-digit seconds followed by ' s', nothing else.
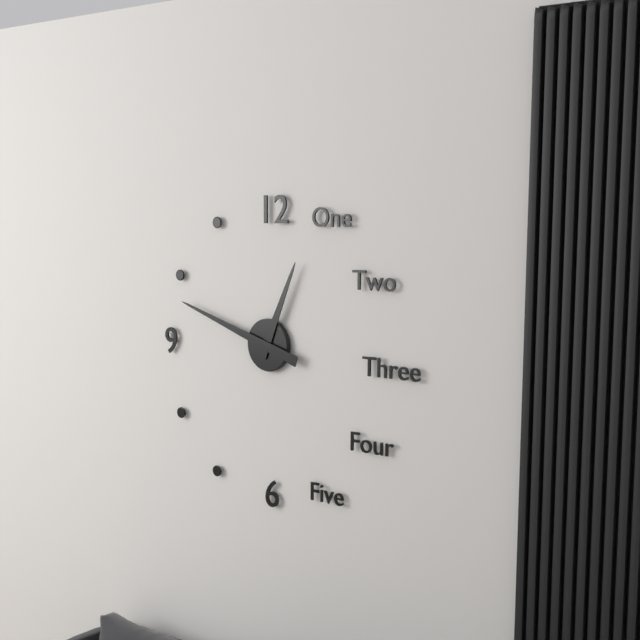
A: 12 h 48 min
